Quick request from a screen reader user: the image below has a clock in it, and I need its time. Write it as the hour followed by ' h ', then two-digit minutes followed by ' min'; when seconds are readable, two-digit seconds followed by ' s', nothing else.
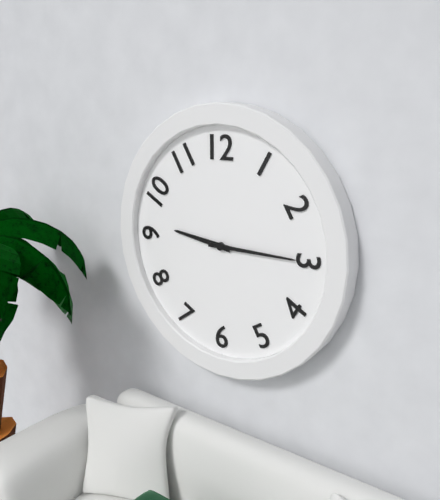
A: 9 h 15 min
